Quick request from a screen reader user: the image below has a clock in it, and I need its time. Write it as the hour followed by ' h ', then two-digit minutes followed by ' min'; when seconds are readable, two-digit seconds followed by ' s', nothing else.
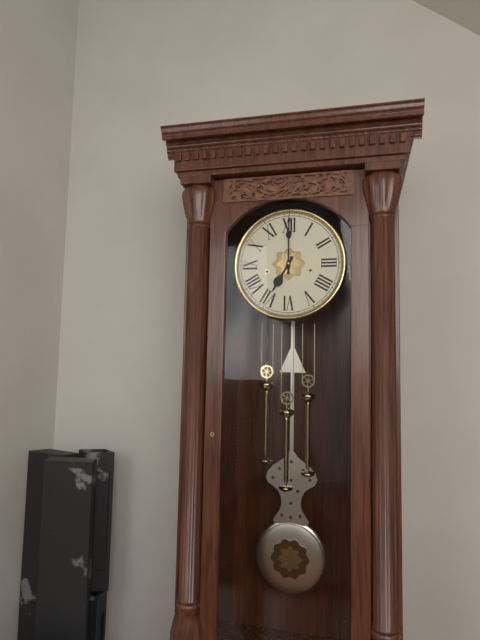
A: 7 h 00 min
